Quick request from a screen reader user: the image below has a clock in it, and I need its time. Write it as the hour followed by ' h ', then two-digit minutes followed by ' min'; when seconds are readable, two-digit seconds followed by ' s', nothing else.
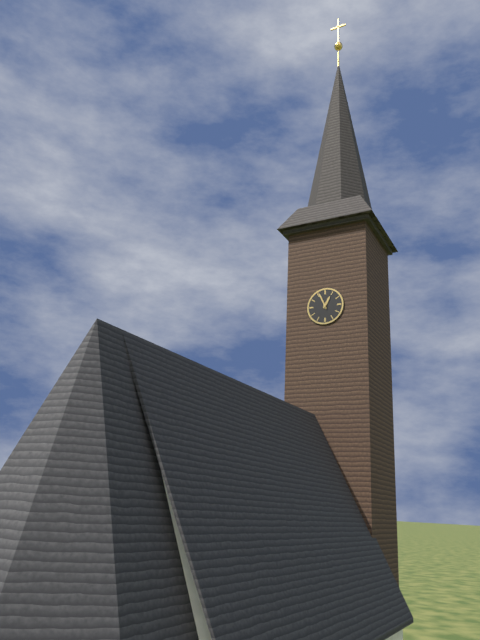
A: 12 h 56 min
